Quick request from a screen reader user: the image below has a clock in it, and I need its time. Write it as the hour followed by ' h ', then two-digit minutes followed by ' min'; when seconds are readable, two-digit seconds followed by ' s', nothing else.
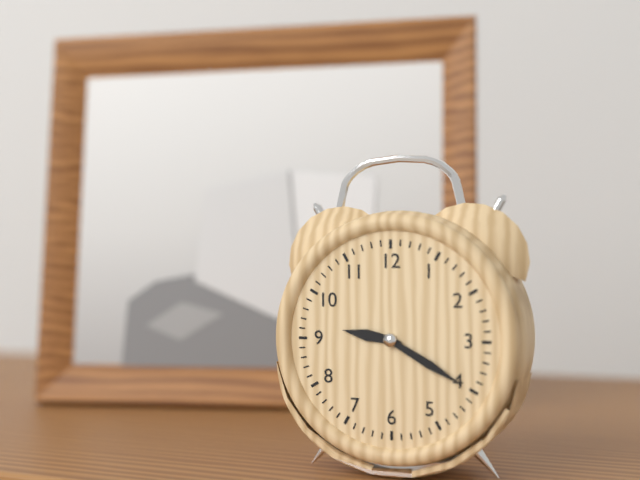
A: 9 h 20 min
